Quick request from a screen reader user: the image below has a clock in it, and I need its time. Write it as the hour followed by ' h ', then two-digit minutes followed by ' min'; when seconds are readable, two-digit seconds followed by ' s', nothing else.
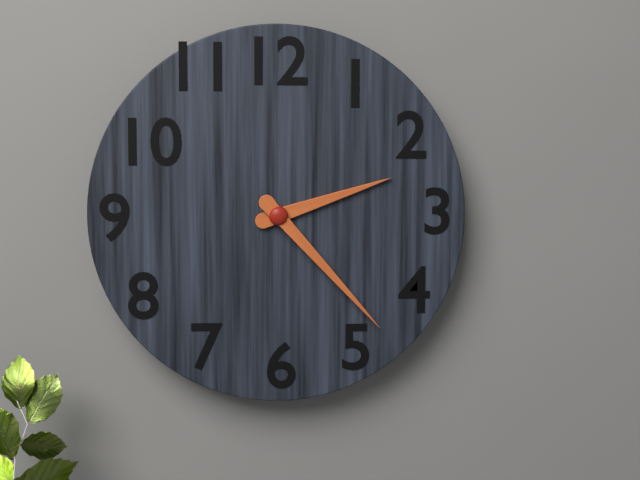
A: 2 h 23 min
